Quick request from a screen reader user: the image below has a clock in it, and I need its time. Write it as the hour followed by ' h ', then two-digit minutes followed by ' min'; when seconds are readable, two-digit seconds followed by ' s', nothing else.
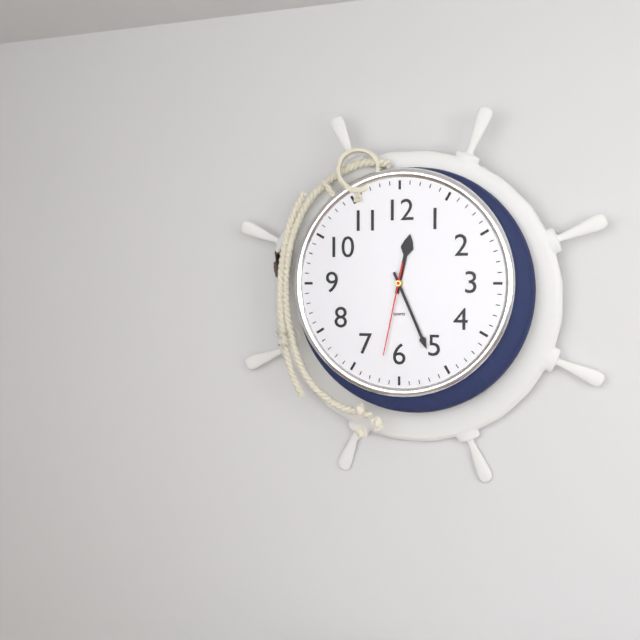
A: 12 h 26 min 32 s
